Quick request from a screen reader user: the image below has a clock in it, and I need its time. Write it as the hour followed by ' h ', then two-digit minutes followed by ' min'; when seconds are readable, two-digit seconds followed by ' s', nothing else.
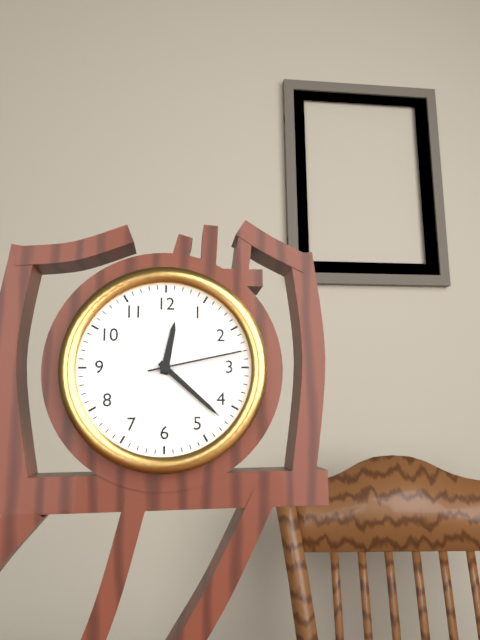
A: 12 h 22 min 13 s
